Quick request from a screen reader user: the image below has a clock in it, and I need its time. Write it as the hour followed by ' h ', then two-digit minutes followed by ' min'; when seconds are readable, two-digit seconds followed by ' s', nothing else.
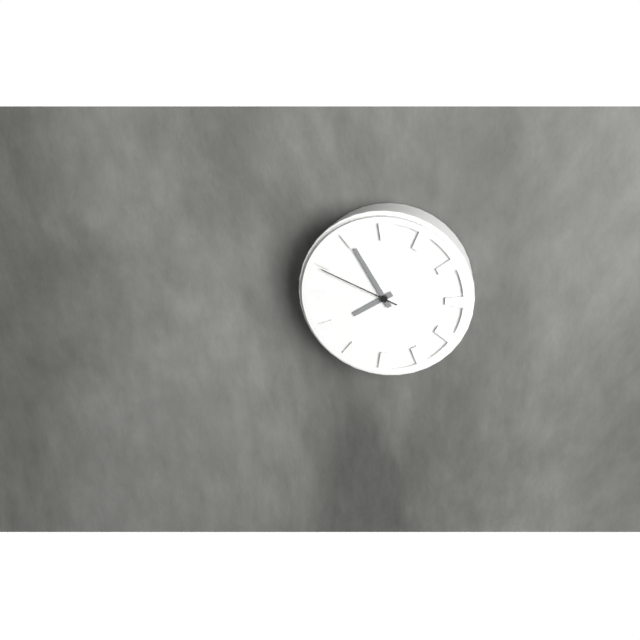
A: 7 h 55 min 49 s
